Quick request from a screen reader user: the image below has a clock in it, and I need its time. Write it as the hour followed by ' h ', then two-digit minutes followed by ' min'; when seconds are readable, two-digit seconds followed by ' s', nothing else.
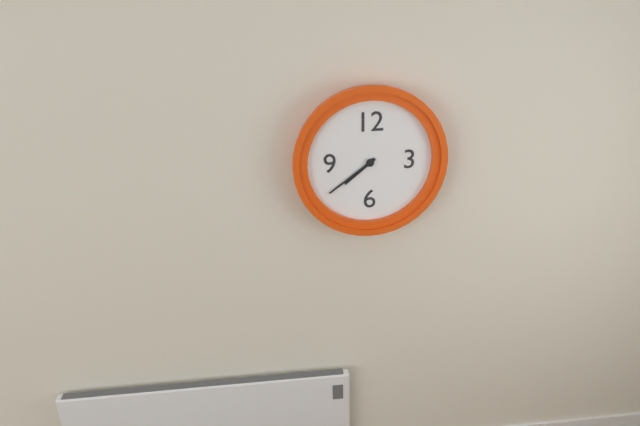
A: 7 h 39 min
